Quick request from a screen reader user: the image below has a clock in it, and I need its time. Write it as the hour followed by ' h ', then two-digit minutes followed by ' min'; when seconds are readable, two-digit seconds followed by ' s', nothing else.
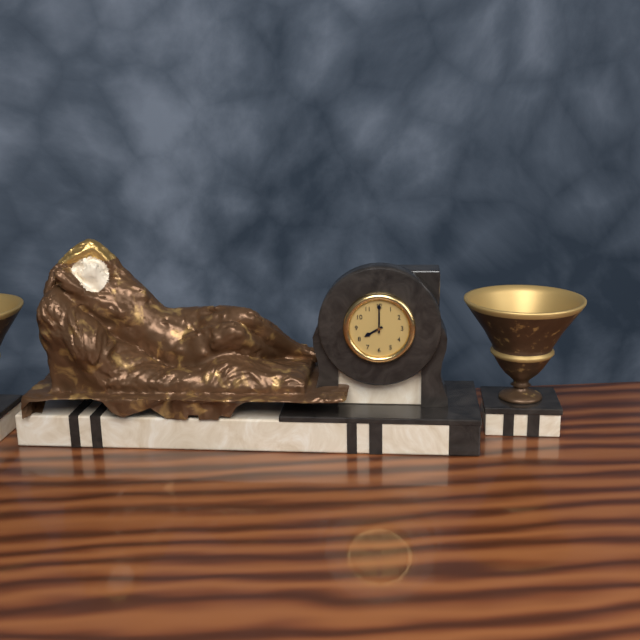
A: 8 h 00 min
